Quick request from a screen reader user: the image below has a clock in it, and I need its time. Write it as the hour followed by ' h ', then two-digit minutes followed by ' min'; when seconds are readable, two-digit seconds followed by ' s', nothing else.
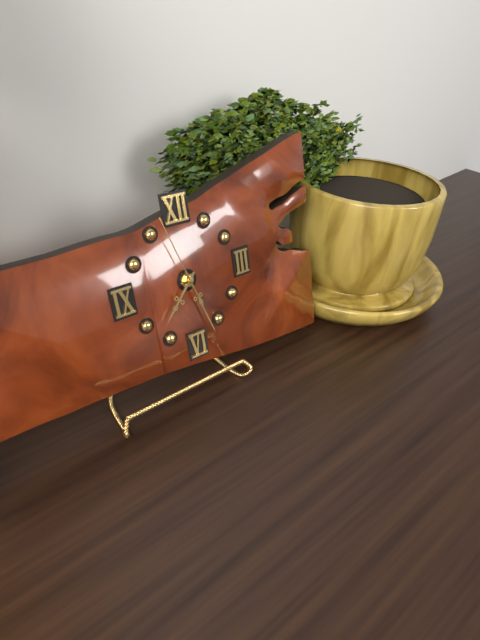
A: 7 h 27 min 57 s
